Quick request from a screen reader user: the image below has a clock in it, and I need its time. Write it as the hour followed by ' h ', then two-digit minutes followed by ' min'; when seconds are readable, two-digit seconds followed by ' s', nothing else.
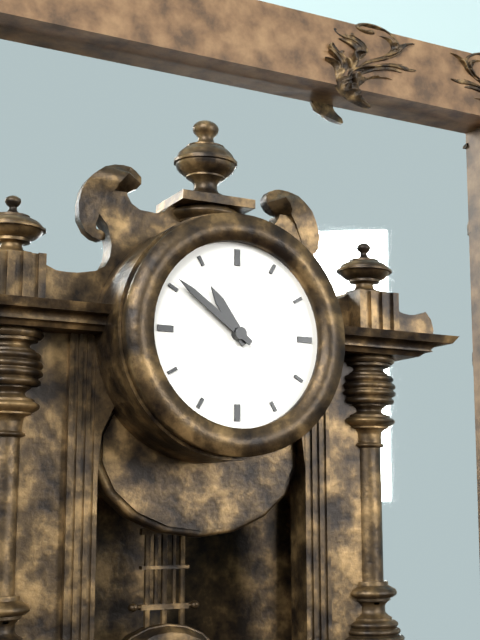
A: 10 h 51 min
